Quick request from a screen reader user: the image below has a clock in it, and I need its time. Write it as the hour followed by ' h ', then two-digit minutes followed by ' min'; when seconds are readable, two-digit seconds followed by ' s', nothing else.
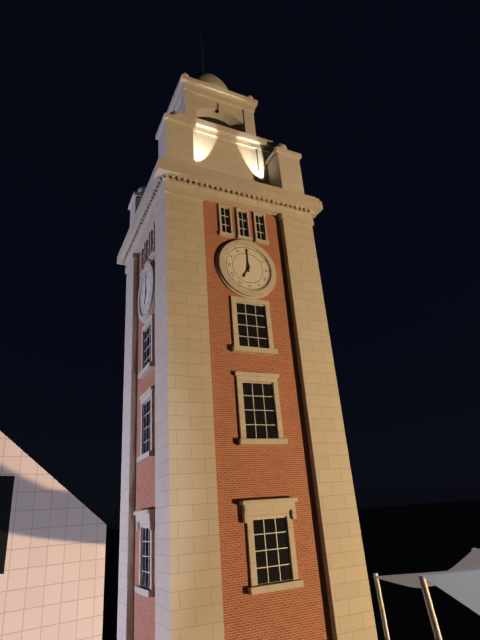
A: 7 h 00 min
